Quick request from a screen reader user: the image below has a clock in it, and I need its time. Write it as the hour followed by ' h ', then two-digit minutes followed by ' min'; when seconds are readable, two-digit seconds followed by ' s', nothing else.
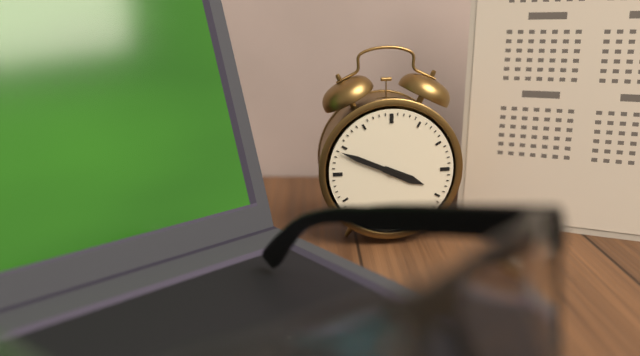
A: 3 h 49 min
